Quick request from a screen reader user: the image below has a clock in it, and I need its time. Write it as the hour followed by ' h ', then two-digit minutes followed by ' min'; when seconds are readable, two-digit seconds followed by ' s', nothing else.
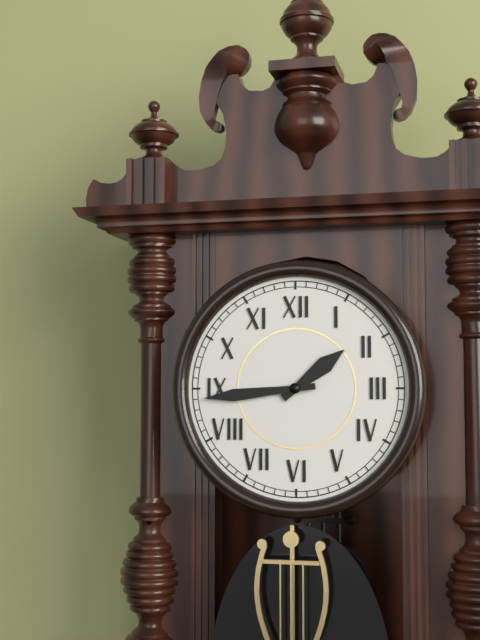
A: 1 h 44 min
